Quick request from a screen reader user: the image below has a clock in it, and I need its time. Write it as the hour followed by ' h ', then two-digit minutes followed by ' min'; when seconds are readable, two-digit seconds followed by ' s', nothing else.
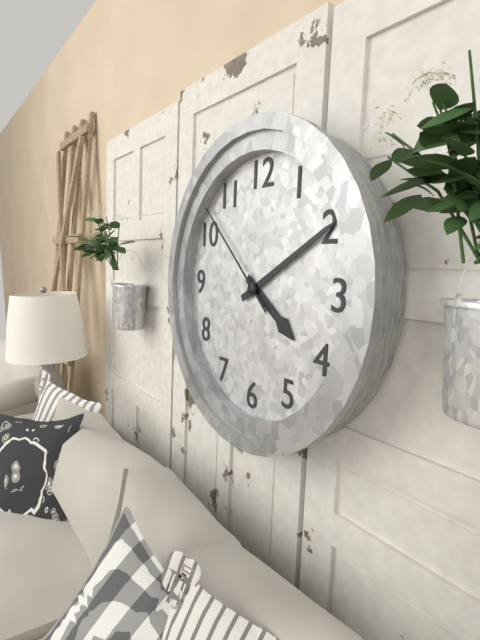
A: 4 h 10 min 52 s
